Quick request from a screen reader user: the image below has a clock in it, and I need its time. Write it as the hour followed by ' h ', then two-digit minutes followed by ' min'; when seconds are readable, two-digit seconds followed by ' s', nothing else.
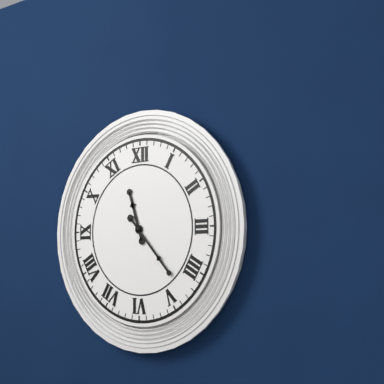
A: 11 h 23 min
